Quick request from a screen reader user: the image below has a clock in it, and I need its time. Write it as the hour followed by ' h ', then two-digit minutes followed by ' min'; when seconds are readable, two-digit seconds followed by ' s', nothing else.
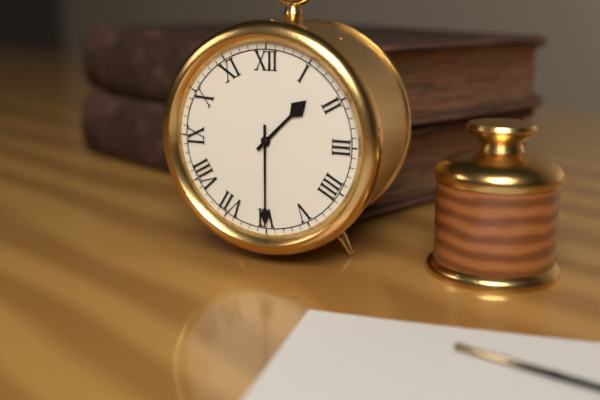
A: 1 h 30 min
